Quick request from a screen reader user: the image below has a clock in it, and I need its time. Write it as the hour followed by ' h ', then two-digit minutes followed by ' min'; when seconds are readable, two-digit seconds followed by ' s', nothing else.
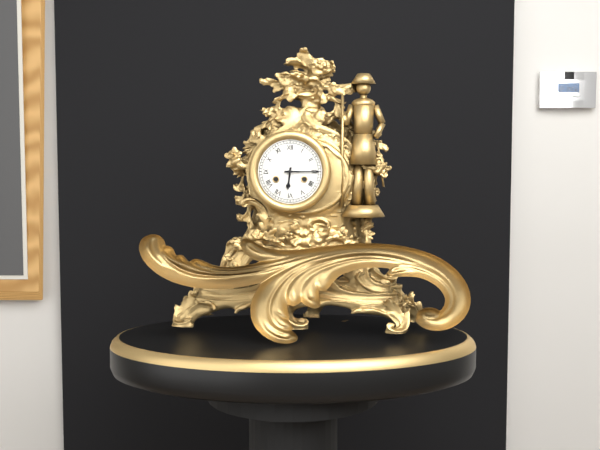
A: 6 h 15 min
